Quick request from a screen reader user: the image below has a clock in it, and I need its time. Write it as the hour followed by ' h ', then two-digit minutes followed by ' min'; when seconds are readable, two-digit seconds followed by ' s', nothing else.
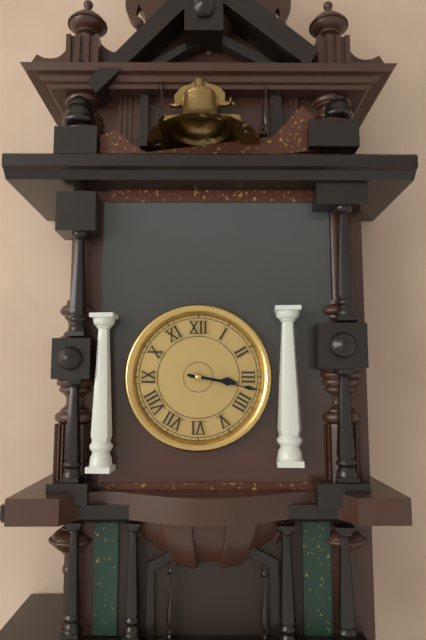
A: 3 h 17 min
